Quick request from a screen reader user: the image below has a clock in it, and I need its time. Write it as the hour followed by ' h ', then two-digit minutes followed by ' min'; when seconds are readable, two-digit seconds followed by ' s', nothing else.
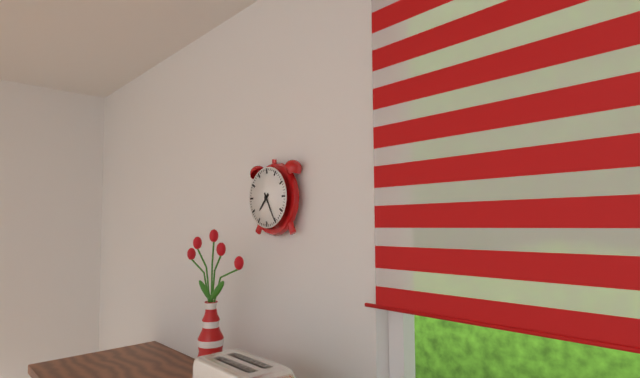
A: 7 h 25 min
